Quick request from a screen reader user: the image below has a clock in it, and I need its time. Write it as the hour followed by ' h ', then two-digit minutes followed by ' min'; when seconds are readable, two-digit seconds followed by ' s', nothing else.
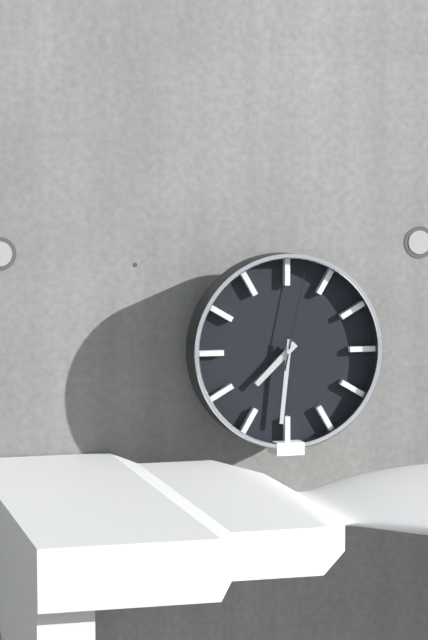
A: 7 h 31 min 02 s
